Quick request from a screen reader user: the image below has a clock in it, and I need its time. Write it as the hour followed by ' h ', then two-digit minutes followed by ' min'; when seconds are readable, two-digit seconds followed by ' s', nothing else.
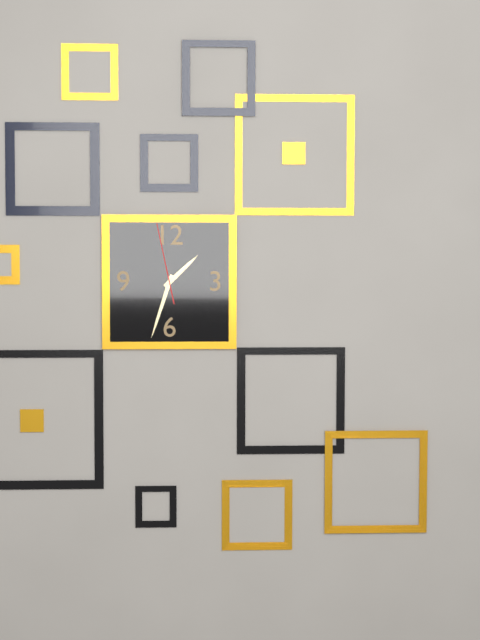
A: 1 h 33 min 58 s
